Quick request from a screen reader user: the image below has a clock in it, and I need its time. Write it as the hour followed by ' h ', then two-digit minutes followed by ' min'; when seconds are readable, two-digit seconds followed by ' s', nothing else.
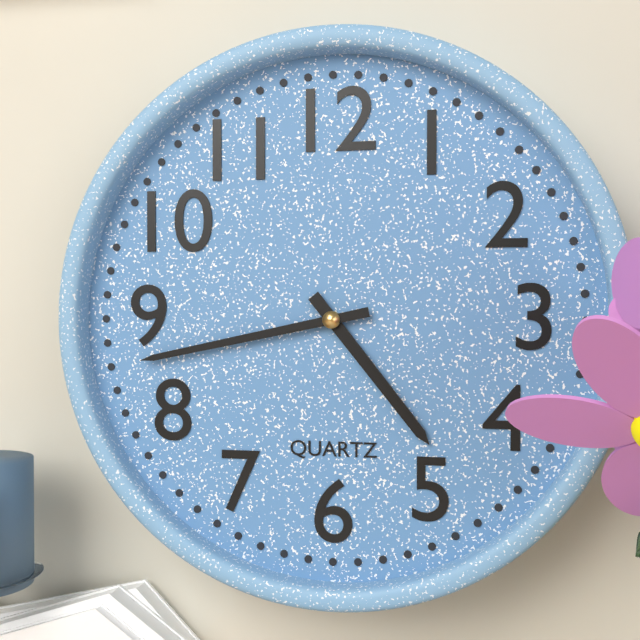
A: 4 h 43 min
